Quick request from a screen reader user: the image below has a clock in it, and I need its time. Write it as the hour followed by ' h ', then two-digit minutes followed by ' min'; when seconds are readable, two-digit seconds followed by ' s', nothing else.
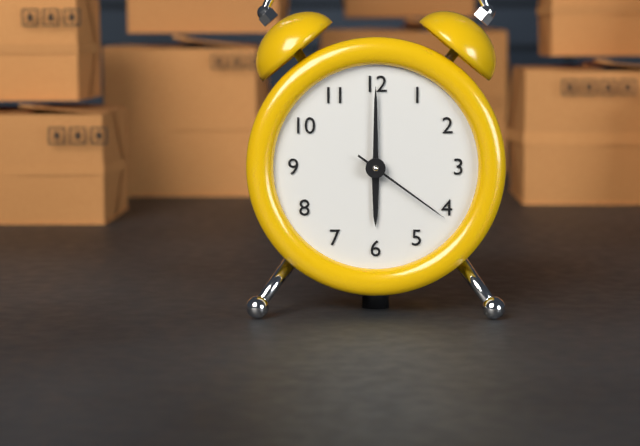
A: 6 h 00 min 21 s
